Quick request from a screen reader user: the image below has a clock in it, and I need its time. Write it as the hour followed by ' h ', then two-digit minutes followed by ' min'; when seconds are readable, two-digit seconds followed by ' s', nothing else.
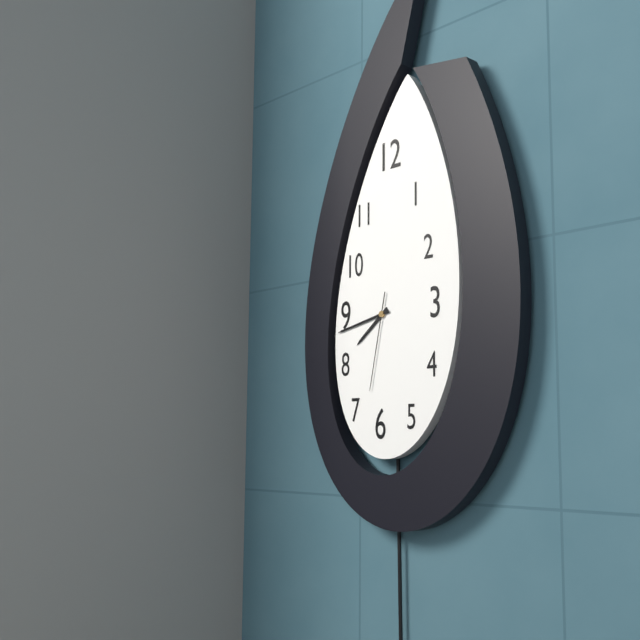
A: 7 h 43 min 32 s
